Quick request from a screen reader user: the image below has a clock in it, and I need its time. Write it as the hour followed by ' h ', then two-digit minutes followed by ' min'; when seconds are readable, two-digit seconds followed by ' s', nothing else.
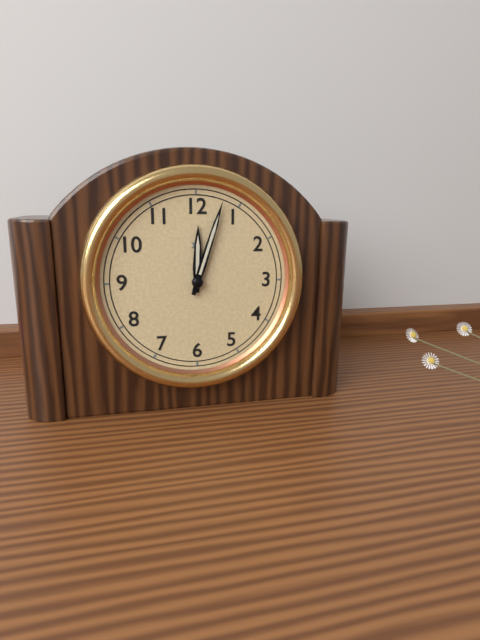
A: 12 h 03 min
